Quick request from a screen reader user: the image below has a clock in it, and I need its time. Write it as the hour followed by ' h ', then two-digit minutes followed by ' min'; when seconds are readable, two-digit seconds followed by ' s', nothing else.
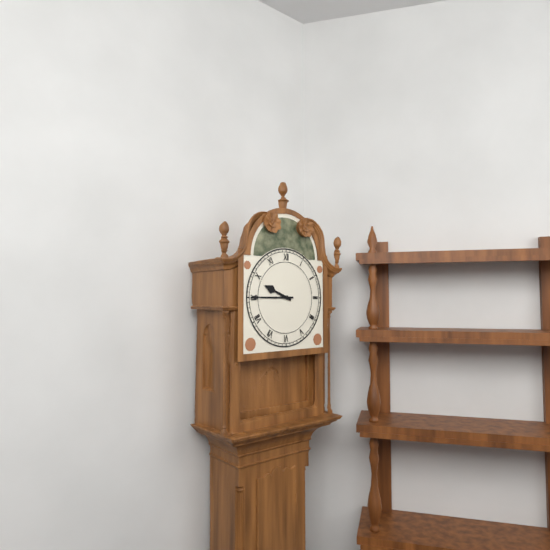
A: 9 h 45 min
